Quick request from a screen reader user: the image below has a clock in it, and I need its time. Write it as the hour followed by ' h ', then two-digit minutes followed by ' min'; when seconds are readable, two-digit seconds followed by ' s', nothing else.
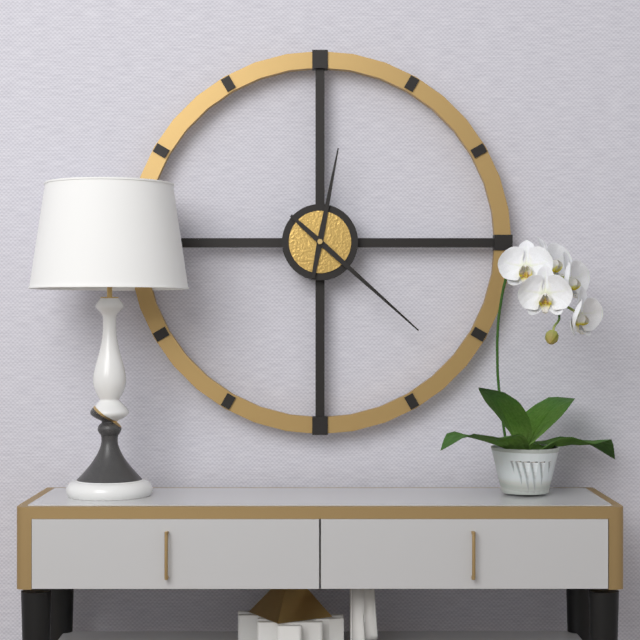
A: 12 h 22 min
